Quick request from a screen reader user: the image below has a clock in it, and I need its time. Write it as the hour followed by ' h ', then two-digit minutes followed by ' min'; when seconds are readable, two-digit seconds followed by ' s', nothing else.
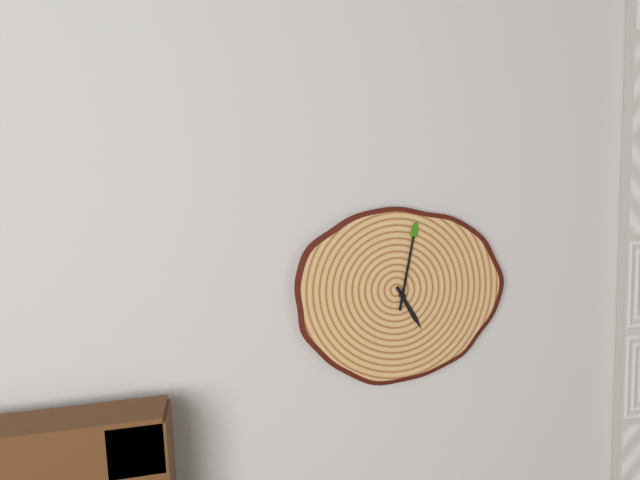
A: 5 h 02 min
